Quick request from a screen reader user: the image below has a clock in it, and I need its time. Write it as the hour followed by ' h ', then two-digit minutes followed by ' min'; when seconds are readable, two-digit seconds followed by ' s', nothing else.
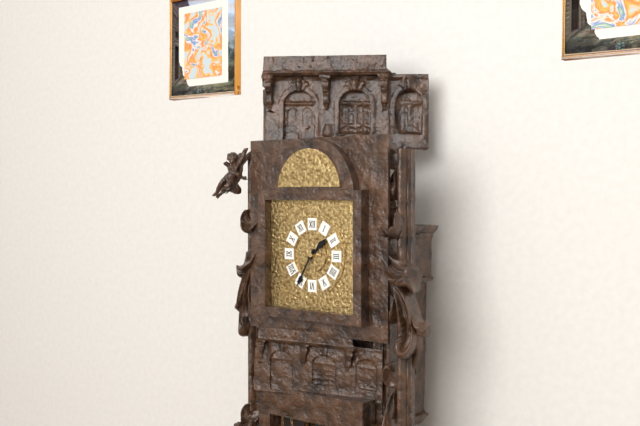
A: 1 h 35 min
